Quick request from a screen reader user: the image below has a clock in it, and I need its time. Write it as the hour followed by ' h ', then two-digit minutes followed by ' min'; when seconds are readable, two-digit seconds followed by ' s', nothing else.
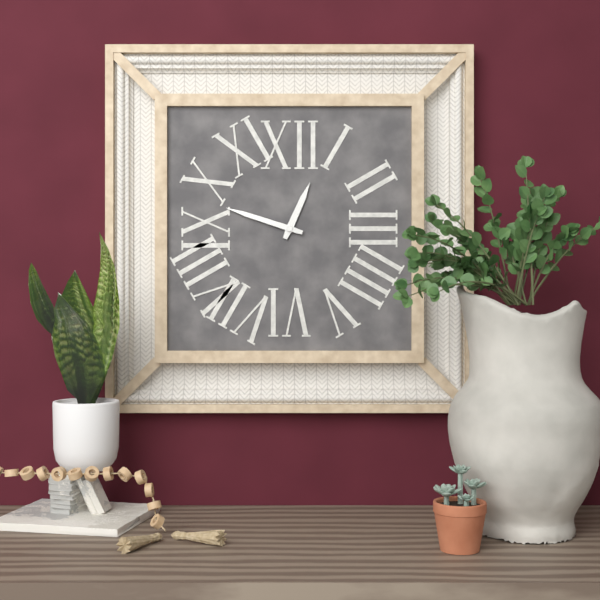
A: 12 h 48 min
